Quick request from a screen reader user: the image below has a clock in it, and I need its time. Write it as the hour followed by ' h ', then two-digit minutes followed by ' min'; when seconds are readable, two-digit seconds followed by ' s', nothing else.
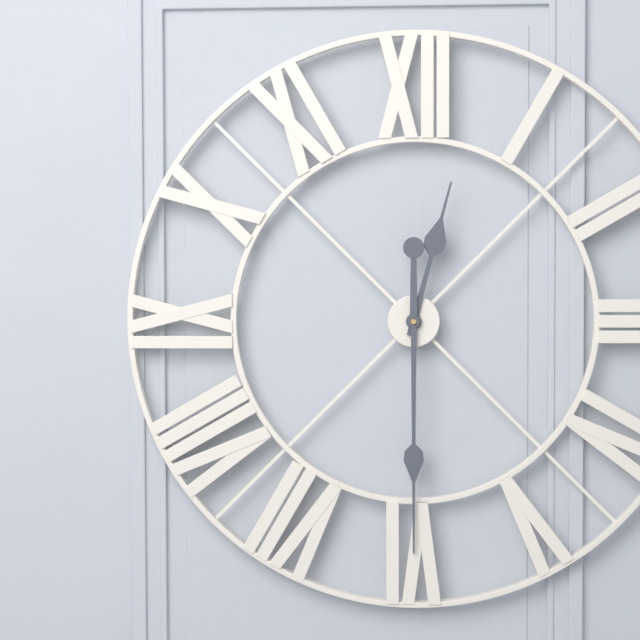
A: 12 h 30 min
